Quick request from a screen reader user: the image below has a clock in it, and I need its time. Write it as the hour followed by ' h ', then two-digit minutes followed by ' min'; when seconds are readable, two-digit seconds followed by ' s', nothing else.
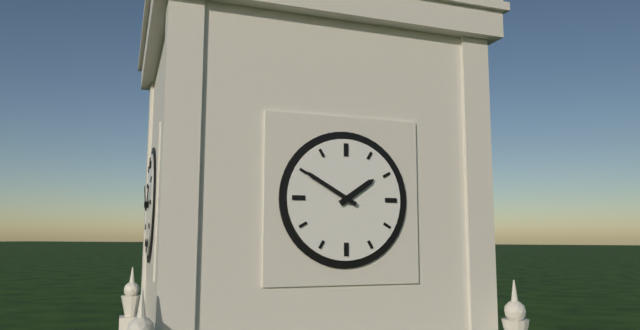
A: 1 h 50 min
